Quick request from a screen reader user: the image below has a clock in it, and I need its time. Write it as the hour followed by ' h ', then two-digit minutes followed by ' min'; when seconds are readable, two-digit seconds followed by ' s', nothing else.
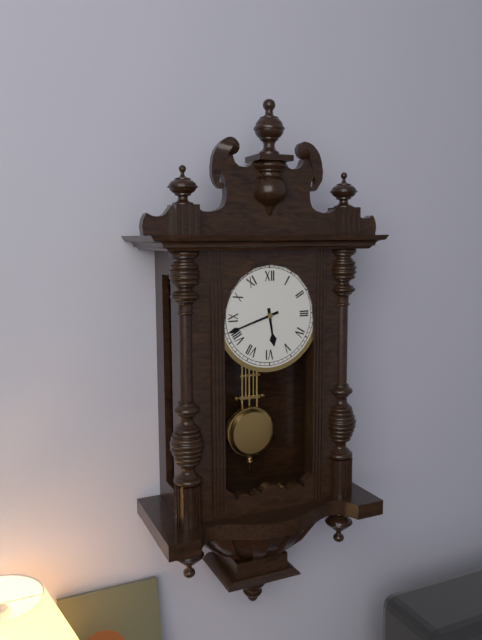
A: 5 h 42 min
